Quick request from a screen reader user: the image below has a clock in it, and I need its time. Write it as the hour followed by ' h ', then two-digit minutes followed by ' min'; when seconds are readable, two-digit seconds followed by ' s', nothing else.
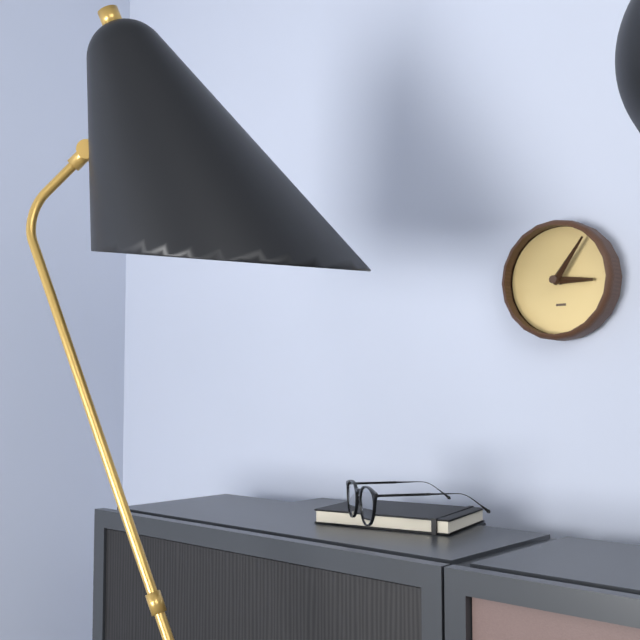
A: 3 h 06 min
